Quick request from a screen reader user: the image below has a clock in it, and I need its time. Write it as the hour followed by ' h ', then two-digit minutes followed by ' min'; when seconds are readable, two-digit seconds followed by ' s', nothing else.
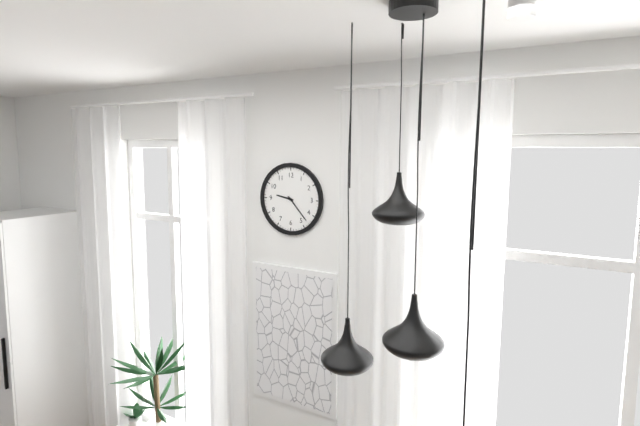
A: 9 h 23 min
